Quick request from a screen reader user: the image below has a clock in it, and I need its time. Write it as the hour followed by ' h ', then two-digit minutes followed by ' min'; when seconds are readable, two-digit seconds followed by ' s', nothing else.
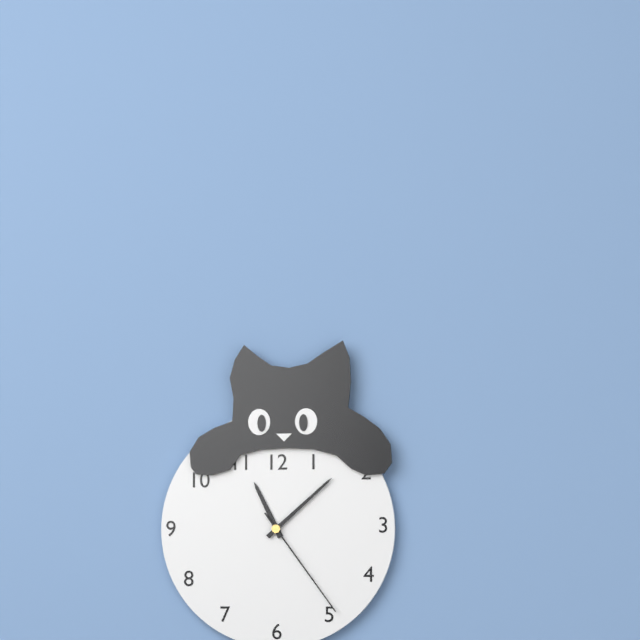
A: 11 h 08 min 24 s
